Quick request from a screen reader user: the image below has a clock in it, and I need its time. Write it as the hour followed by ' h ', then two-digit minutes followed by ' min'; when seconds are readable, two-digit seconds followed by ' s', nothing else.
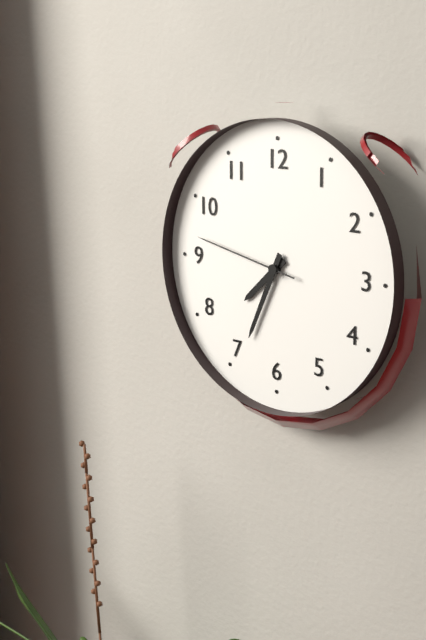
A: 7 h 34 min 47 s
